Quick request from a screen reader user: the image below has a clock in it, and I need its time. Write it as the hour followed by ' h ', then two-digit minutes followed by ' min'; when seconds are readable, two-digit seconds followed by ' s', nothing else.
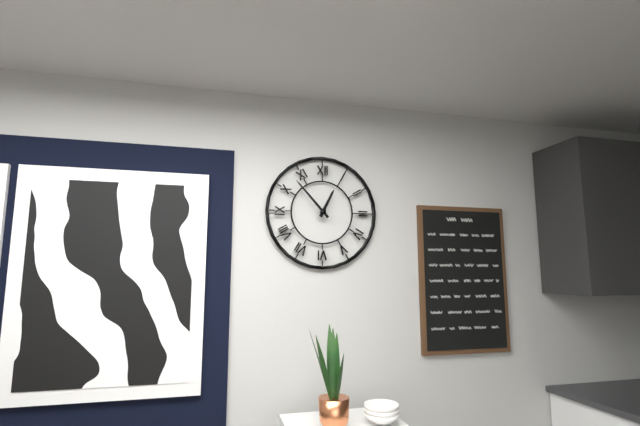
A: 12 h 53 min
